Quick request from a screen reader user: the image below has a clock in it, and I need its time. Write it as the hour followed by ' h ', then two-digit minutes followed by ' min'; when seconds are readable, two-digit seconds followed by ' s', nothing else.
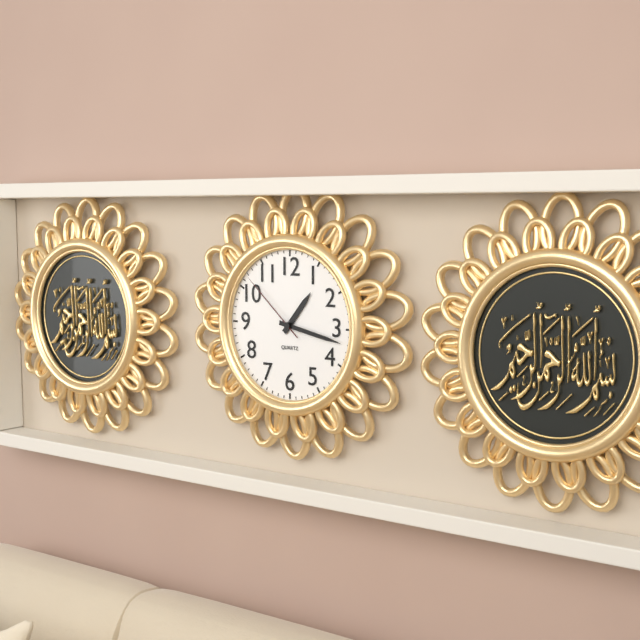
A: 1 h 17 min 52 s
